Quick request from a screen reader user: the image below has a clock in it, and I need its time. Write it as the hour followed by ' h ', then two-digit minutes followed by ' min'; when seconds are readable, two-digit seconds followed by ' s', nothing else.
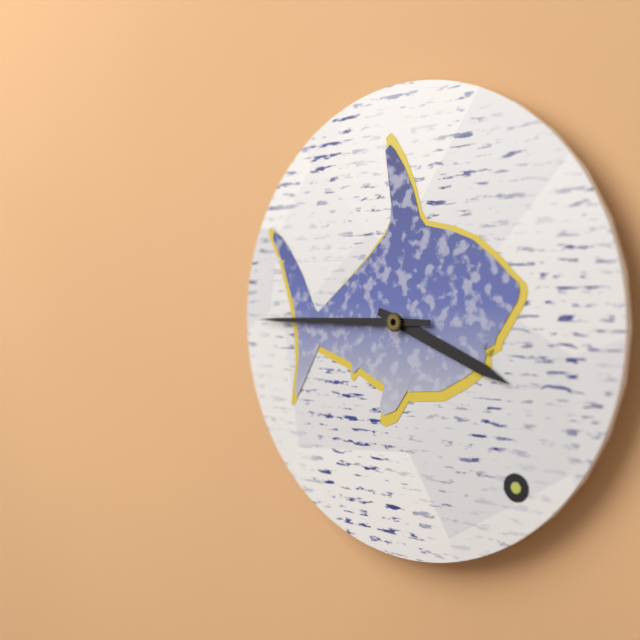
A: 3 h 45 min
